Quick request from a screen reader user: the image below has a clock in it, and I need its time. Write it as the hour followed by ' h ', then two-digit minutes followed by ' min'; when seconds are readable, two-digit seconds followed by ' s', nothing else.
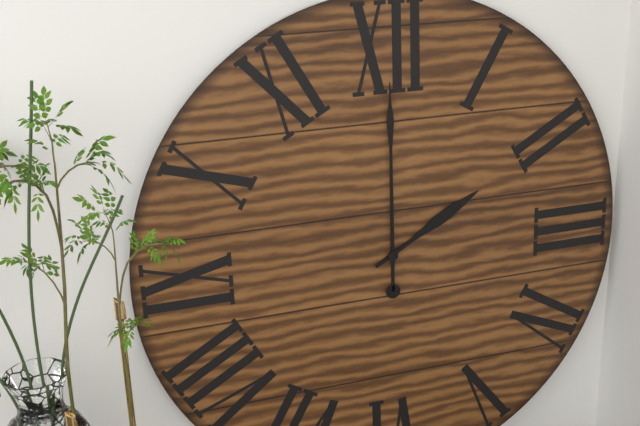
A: 2 h 00 min
